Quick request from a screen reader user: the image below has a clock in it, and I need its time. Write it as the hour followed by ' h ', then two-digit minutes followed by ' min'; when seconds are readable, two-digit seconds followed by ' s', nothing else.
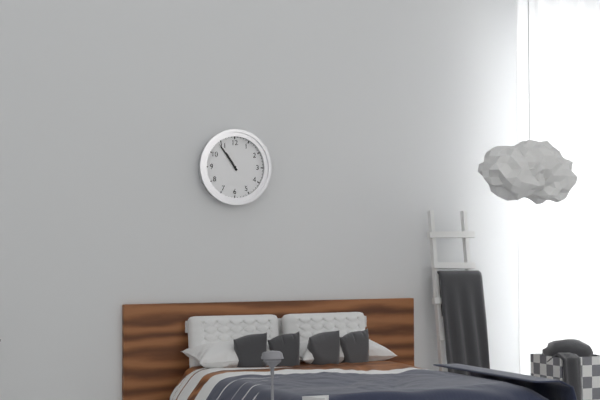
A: 10 h 54 min
